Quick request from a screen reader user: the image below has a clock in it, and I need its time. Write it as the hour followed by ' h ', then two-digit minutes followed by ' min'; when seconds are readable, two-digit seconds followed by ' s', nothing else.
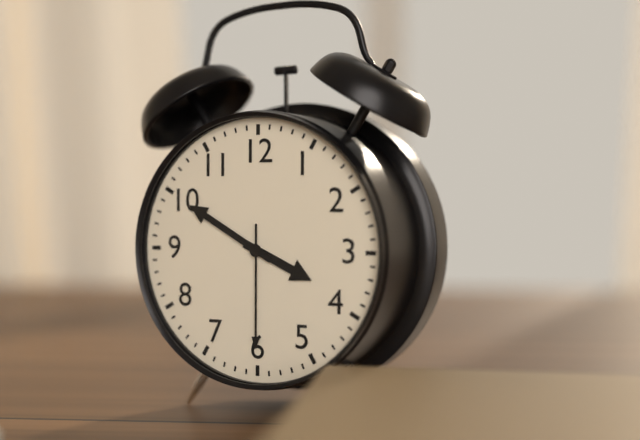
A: 3 h 50 min 30 s
